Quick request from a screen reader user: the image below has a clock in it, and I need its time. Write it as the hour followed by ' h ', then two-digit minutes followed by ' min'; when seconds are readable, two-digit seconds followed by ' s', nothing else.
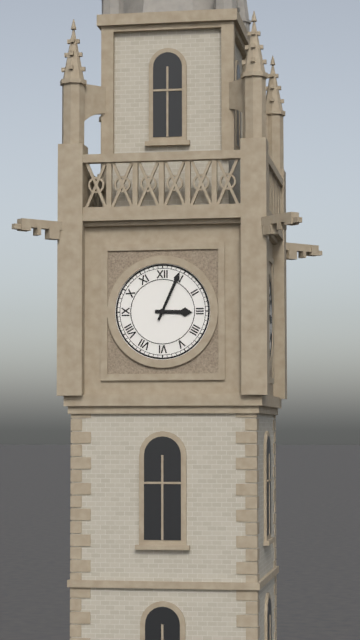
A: 3 h 04 min
